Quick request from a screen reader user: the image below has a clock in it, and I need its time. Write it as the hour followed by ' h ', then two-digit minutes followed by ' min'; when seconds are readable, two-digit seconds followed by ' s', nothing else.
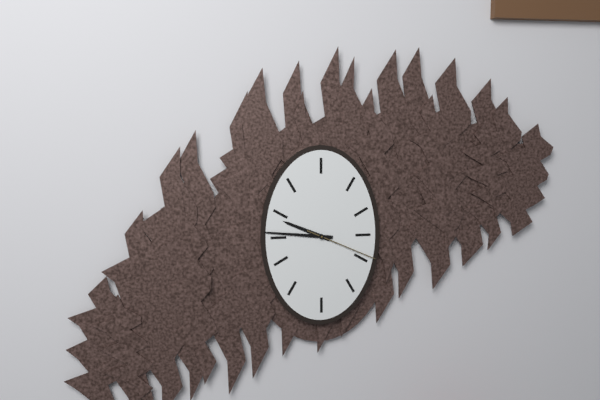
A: 9 h 46 min 19 s
